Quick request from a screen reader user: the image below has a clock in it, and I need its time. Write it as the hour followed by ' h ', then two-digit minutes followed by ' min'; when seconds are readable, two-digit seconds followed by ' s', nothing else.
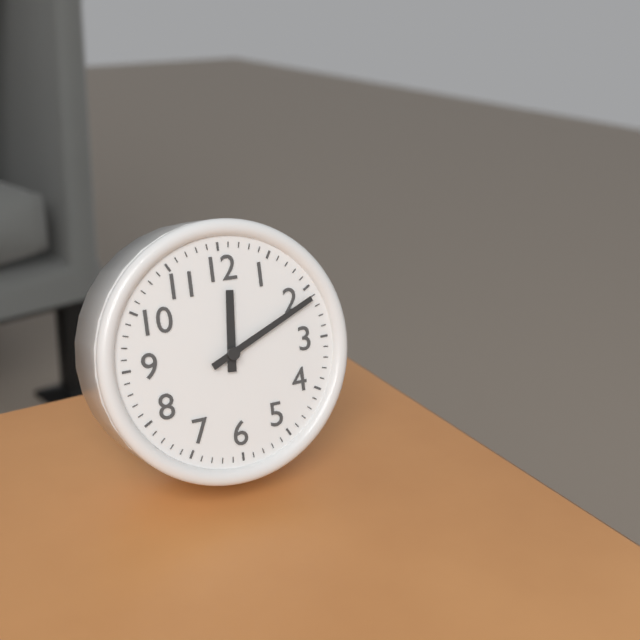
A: 12 h 11 min
